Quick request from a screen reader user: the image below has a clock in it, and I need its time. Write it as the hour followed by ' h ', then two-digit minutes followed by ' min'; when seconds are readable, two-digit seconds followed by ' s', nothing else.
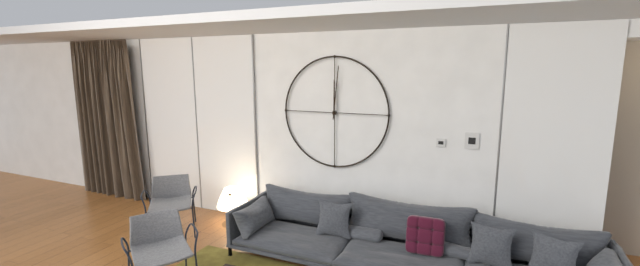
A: 12 h 01 min
